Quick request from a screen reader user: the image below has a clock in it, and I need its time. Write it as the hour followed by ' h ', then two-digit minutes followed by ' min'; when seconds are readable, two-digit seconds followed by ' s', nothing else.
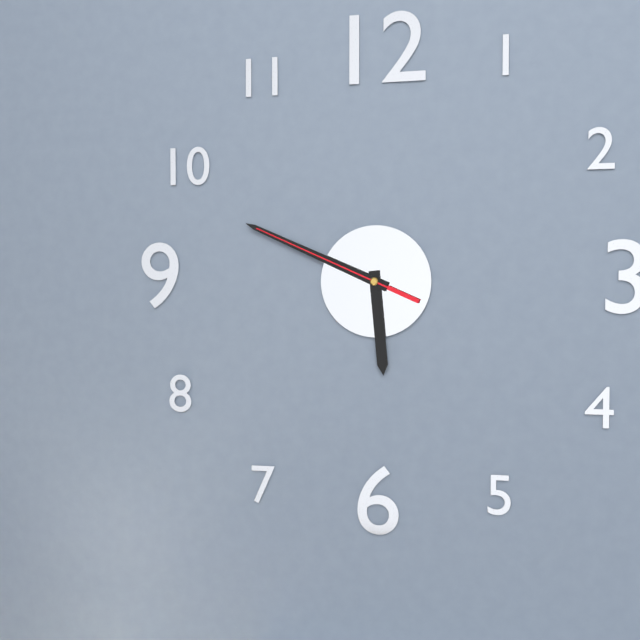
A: 5 h 49 min 49 s
